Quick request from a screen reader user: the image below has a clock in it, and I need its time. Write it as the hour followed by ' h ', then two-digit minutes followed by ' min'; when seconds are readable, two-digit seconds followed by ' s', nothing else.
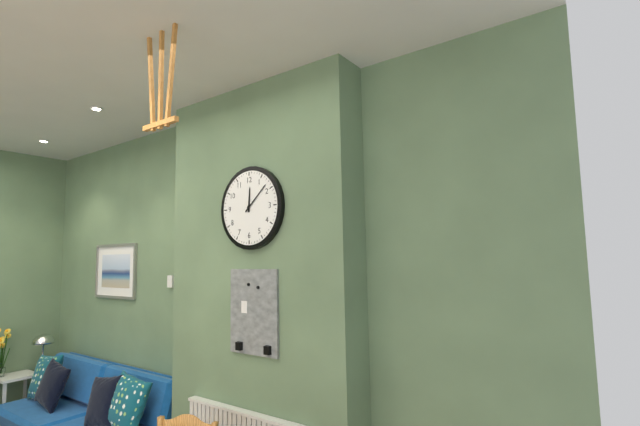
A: 12 h 08 min
